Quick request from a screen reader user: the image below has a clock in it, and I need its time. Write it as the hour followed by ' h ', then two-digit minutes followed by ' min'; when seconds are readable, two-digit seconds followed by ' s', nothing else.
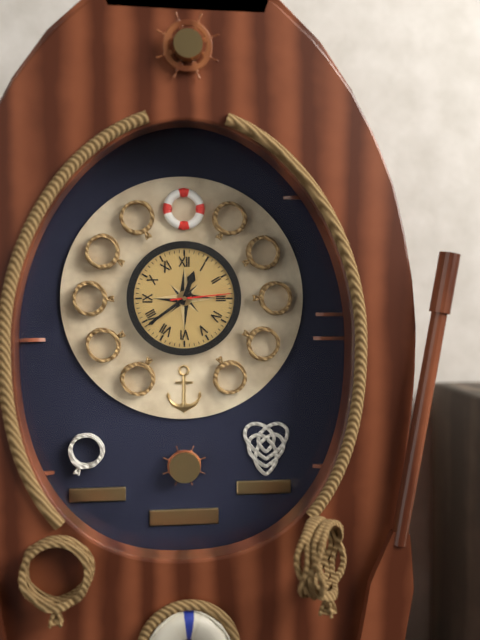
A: 12 h 39 min 14 s
